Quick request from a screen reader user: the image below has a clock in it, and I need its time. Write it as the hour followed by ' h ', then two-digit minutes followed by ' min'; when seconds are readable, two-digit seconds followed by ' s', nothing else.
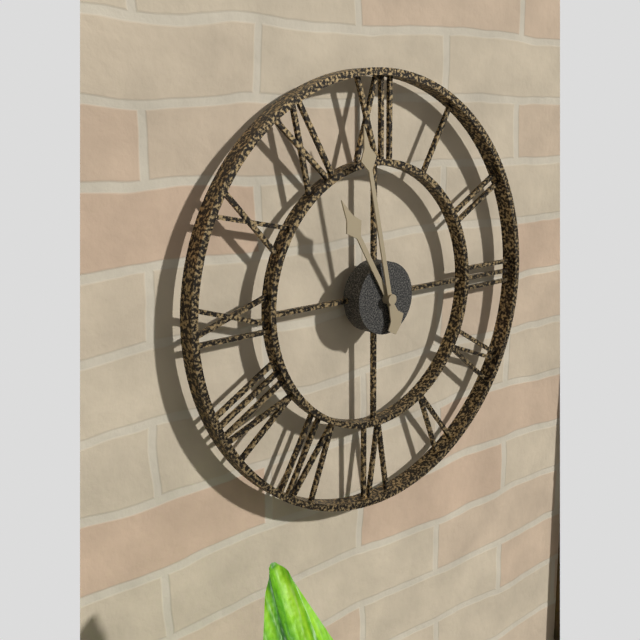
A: 10 h 58 min
